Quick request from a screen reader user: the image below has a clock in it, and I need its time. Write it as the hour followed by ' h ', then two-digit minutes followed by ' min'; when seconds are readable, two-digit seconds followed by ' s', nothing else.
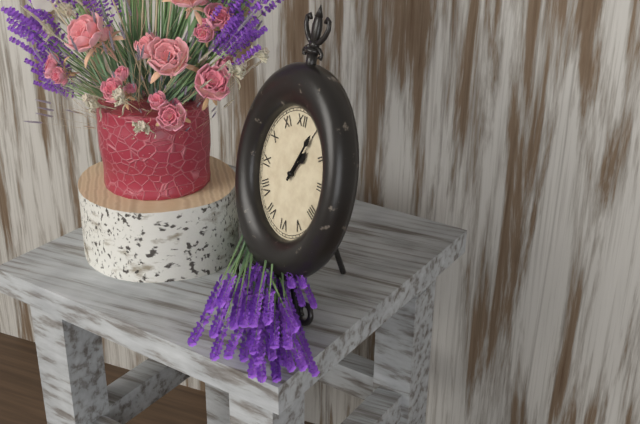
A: 1 h 04 min
